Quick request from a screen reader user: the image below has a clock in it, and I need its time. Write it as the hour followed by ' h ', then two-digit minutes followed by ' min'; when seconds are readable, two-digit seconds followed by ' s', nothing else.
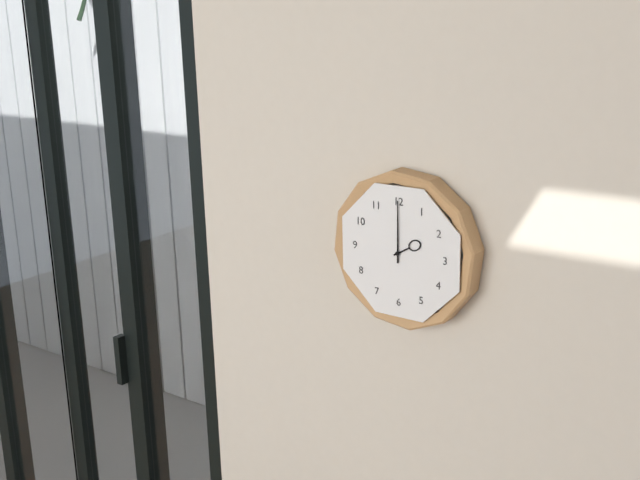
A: 2 h 00 min
